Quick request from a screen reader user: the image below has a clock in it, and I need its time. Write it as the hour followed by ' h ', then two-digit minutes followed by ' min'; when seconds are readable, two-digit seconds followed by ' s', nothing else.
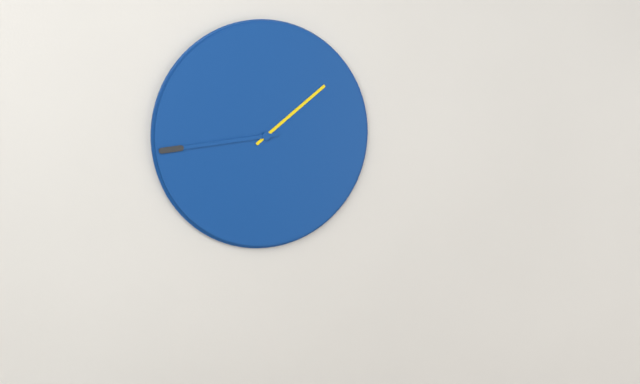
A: 1 h 44 min
